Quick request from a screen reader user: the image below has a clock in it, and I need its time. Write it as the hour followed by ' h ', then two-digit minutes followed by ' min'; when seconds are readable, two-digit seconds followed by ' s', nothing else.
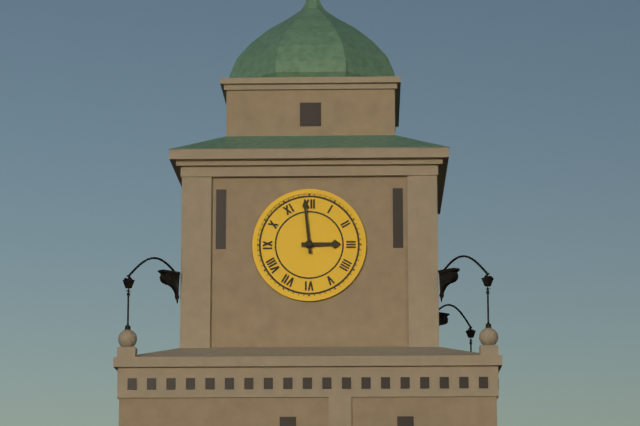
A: 2 h 59 min
